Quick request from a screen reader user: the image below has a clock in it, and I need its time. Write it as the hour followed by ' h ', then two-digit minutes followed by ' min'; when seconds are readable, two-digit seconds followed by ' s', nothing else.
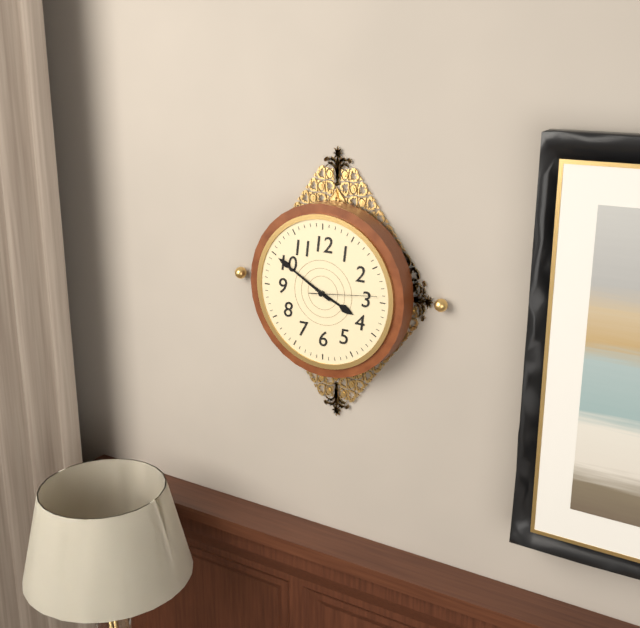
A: 3 h 50 min 14 s
